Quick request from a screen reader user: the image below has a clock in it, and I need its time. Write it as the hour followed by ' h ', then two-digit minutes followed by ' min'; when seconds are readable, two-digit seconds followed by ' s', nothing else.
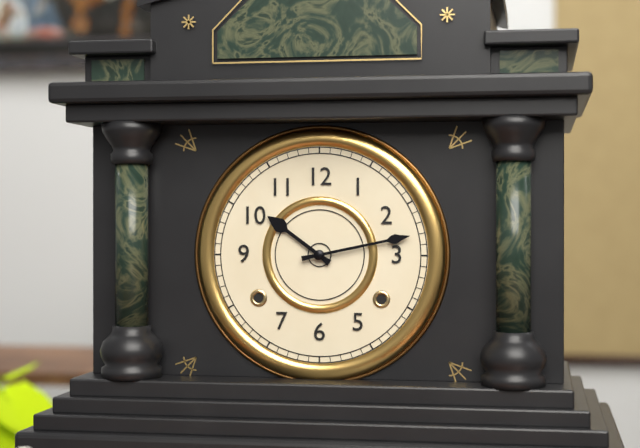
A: 10 h 13 min
